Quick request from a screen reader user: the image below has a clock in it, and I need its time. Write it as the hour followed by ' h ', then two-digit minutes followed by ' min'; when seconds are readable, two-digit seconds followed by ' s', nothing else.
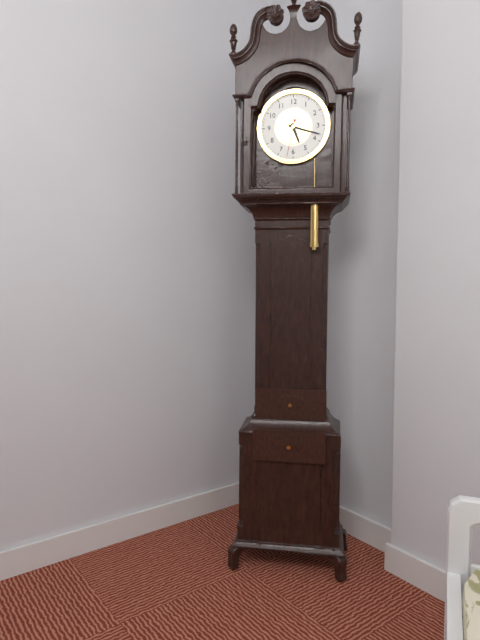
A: 5 h 18 min
